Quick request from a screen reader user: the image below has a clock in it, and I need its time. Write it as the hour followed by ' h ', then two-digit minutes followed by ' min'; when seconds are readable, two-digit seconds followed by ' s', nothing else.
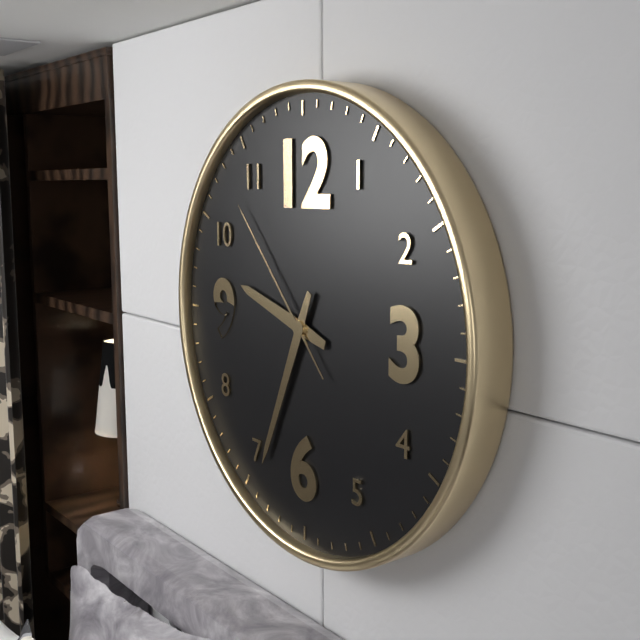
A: 9 h 34 min 53 s
